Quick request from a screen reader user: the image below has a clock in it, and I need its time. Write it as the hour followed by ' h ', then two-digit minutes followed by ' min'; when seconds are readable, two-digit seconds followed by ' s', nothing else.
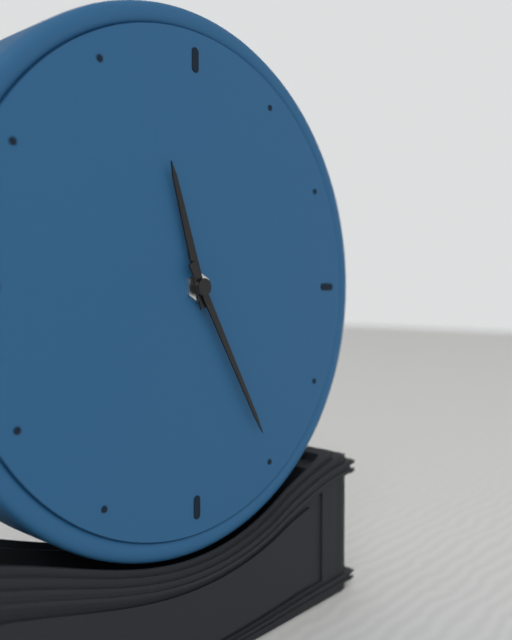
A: 11 h 25 min
